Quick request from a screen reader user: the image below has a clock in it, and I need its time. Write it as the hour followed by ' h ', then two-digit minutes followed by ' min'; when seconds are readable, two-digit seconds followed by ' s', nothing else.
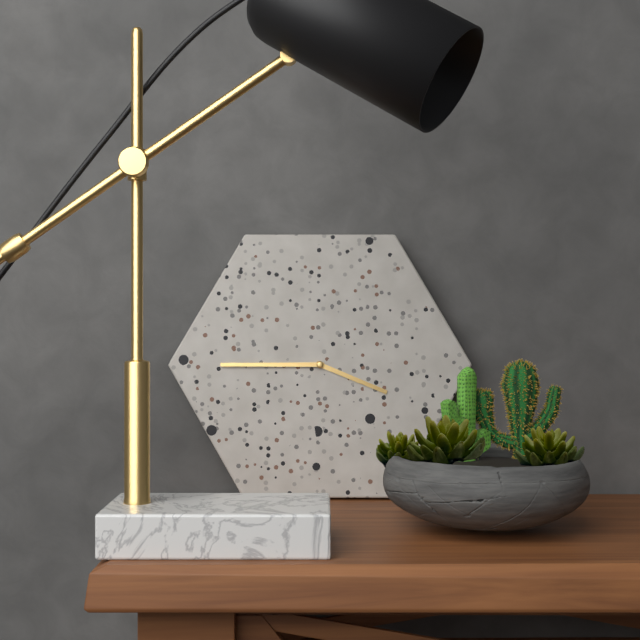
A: 3 h 45 min
